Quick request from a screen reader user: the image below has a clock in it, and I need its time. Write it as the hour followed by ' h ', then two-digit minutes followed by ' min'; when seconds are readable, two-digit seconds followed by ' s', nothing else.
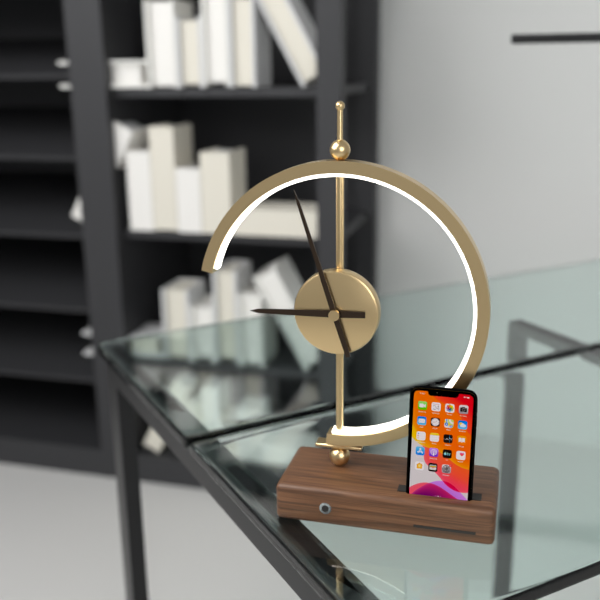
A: 8 h 57 min
